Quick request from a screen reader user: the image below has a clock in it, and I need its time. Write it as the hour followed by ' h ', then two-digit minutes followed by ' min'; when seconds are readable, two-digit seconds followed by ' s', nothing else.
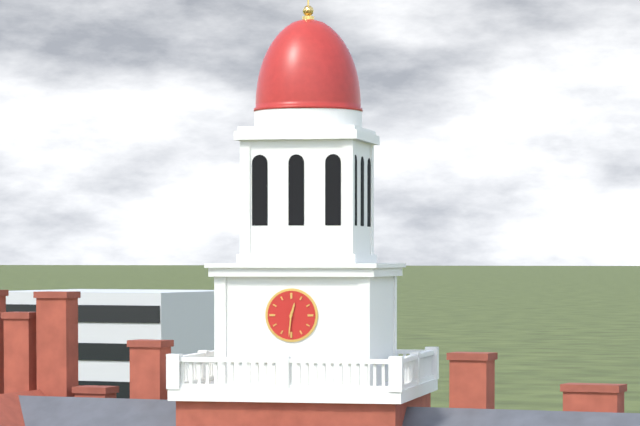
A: 12 h 31 min
